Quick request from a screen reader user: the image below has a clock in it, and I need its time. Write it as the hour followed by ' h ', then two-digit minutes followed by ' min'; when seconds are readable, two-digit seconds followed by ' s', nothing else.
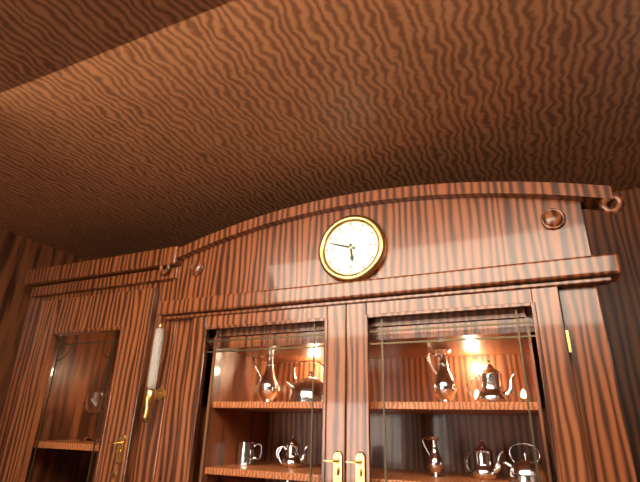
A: 5 h 48 min
